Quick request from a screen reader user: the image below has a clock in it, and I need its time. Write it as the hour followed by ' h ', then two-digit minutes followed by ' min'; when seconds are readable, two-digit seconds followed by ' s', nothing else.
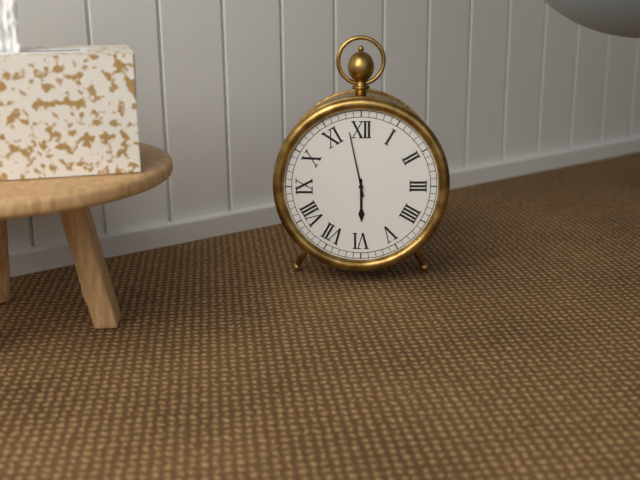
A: 5 h 58 min
